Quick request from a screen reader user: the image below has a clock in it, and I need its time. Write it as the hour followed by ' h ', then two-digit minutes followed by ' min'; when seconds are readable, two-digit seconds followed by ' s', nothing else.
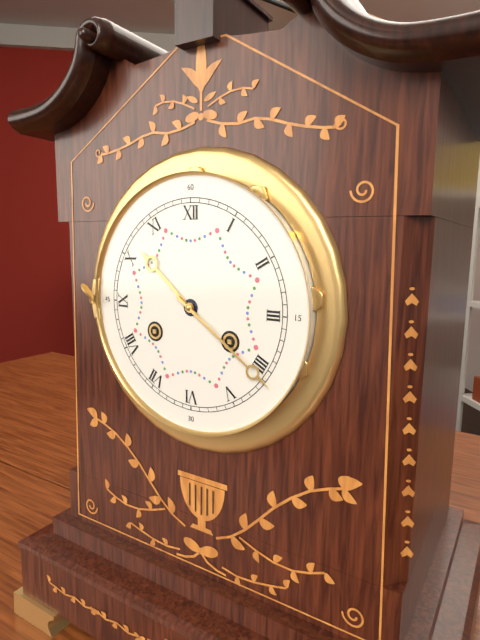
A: 10 h 21 min
